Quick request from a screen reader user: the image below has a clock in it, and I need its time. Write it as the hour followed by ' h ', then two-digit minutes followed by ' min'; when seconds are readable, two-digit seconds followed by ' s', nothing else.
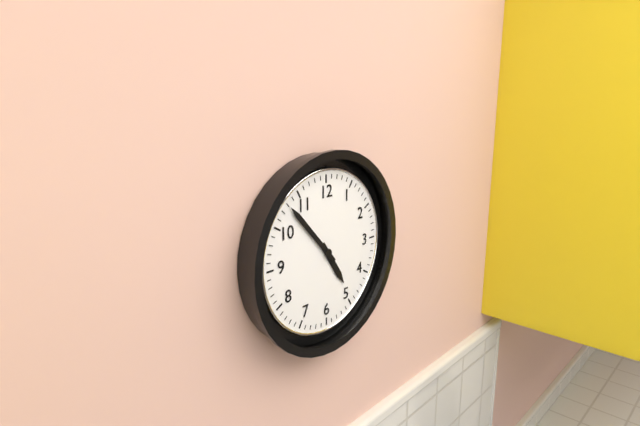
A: 4 h 53 min
